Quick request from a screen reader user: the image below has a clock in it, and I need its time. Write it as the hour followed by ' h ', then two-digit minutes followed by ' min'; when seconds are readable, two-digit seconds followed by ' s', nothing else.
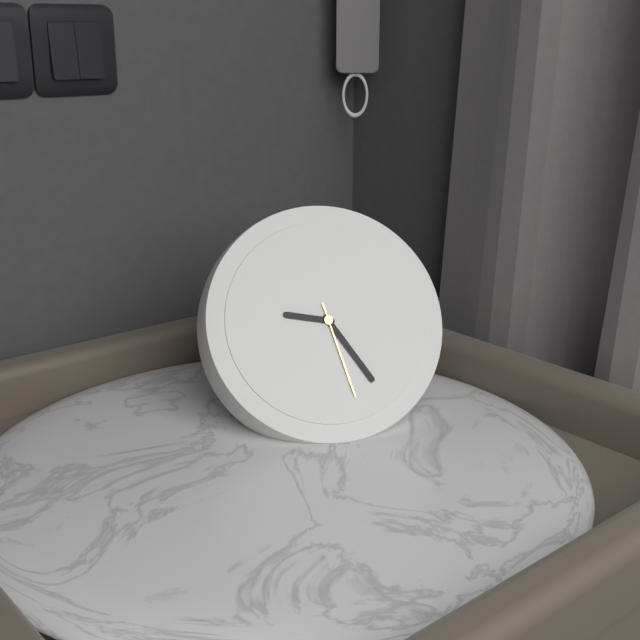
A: 9 h 25 min 28 s
